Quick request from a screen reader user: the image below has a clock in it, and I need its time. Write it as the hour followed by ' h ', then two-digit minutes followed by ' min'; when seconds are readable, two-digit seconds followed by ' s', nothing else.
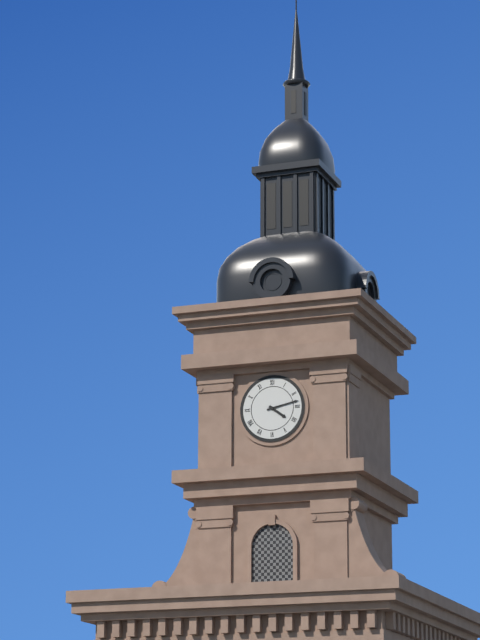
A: 4 h 13 min
